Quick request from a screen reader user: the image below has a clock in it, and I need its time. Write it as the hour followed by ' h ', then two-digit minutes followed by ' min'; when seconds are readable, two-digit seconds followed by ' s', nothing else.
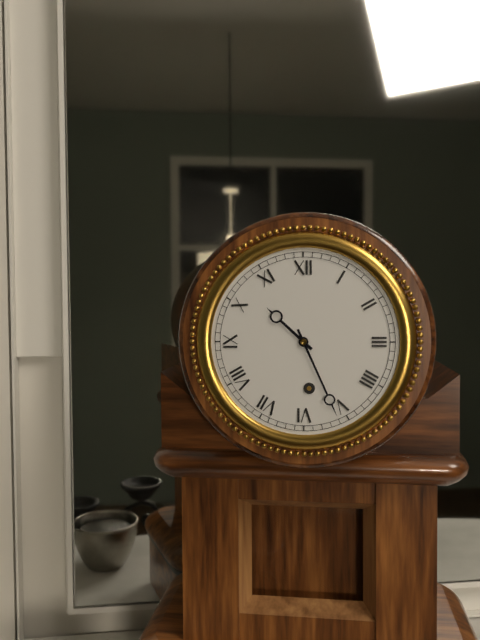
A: 10 h 26 min
